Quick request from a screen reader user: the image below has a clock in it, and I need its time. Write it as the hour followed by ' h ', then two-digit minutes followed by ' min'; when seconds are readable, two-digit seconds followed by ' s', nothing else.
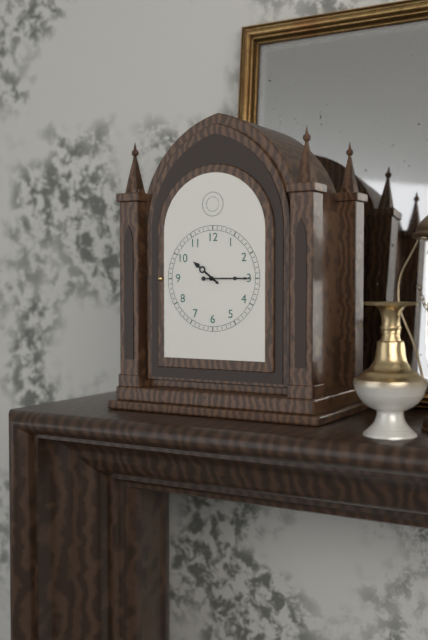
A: 10 h 15 min
